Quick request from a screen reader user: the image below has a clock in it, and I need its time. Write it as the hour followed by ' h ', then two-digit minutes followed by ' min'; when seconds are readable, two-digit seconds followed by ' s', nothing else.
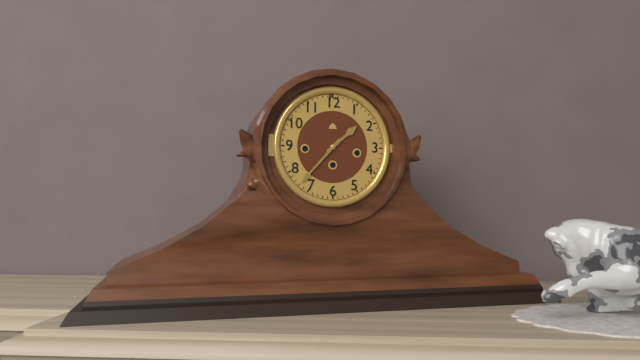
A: 1 h 37 min
